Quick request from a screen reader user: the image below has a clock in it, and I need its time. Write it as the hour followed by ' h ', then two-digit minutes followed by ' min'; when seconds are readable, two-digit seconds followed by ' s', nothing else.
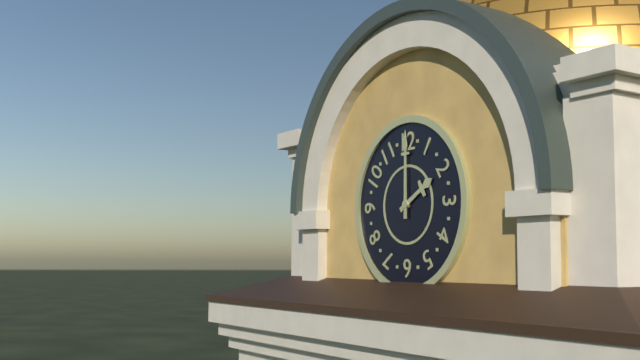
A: 2 h 00 min
